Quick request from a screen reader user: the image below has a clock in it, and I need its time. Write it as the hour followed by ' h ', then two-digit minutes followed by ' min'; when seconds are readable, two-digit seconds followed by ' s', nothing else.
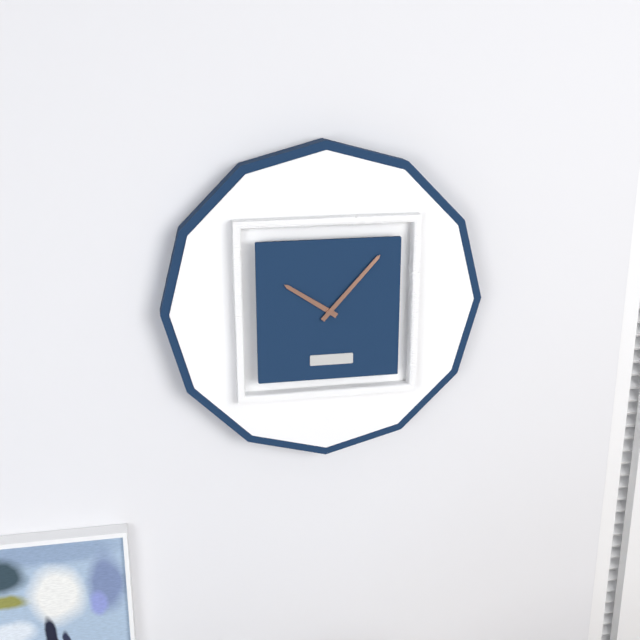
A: 10 h 07 min
